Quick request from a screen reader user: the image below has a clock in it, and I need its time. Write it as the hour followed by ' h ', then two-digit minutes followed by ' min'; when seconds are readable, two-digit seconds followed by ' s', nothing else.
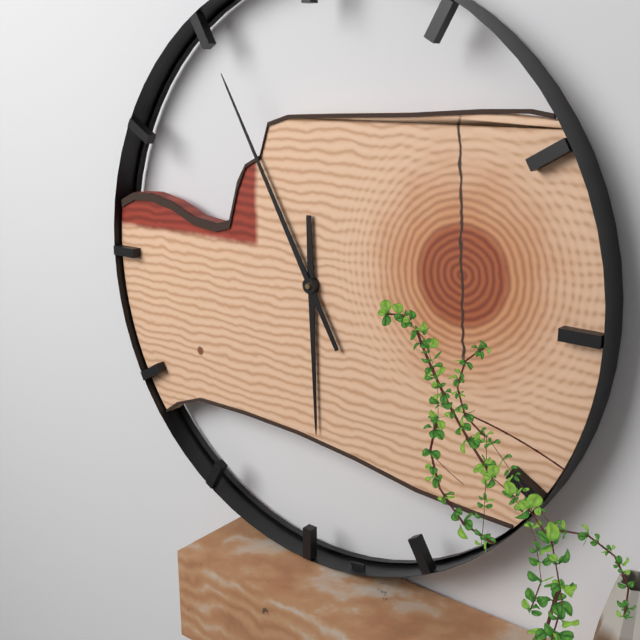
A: 5 h 55 min
